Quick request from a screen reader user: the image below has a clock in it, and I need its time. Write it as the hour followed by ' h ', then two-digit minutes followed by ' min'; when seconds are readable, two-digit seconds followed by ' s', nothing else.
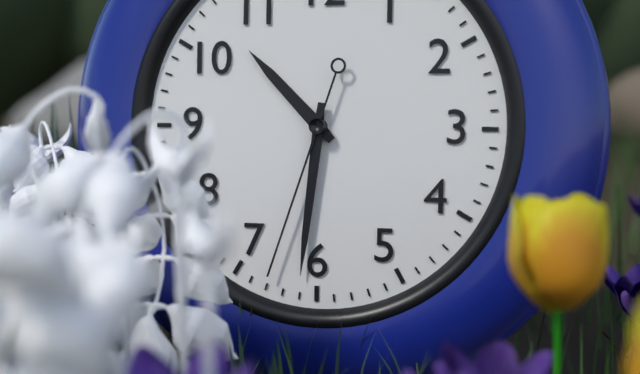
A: 10 h 31 min 33 s
